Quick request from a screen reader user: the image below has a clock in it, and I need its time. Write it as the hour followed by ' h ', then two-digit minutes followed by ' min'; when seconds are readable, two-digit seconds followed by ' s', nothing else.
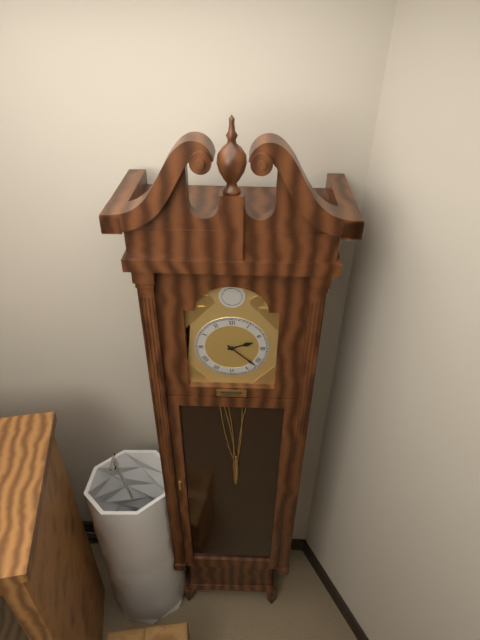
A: 2 h 22 min
